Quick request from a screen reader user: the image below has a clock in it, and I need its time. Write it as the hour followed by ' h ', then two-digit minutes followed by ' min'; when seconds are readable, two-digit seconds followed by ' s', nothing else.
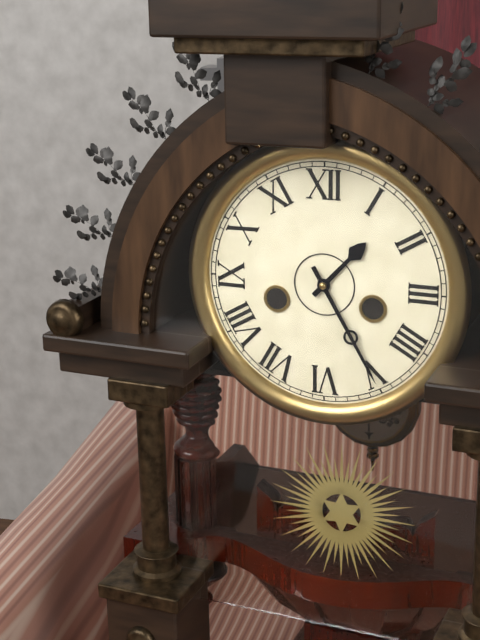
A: 1 h 25 min
